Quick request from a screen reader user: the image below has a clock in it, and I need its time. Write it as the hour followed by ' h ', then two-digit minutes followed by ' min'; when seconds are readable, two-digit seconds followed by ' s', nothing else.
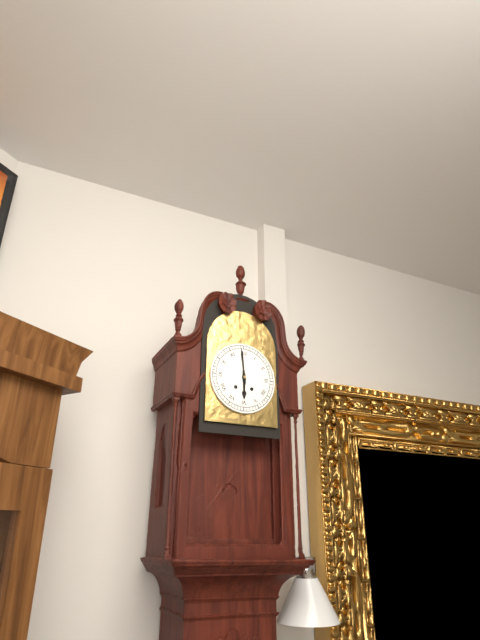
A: 5 h 59 min
